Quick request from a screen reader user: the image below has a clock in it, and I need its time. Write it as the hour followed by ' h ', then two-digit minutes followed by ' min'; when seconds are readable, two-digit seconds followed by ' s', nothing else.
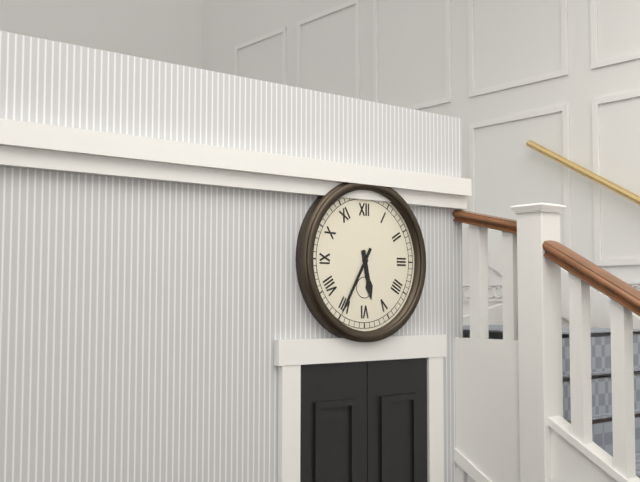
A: 5 h 35 min
